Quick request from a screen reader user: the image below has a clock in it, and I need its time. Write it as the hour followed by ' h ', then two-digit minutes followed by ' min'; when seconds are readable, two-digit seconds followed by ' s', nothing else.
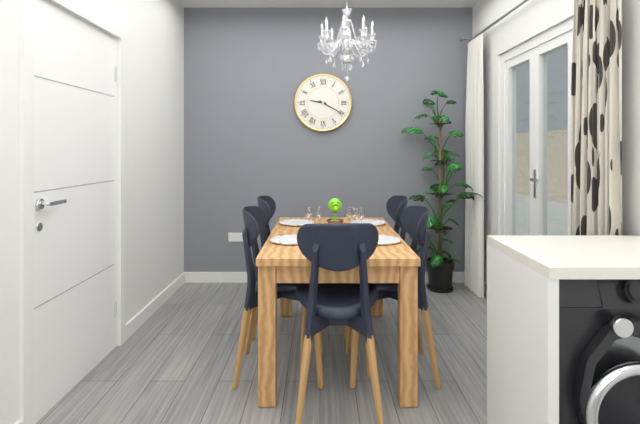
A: 9 h 20 min
